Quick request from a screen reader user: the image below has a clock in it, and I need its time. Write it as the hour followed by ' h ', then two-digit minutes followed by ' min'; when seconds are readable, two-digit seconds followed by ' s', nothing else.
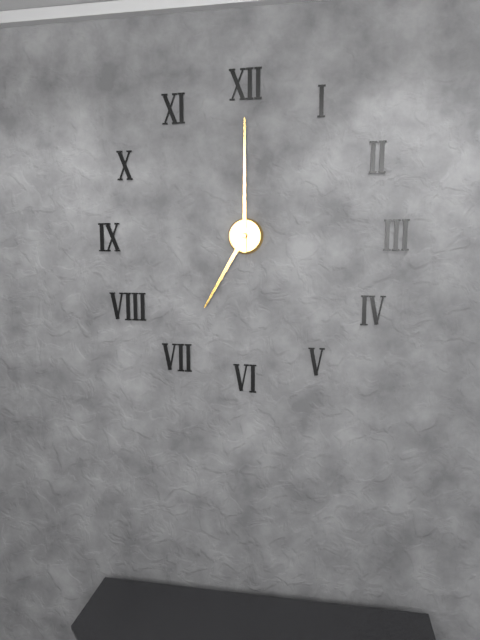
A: 7 h 00 min
